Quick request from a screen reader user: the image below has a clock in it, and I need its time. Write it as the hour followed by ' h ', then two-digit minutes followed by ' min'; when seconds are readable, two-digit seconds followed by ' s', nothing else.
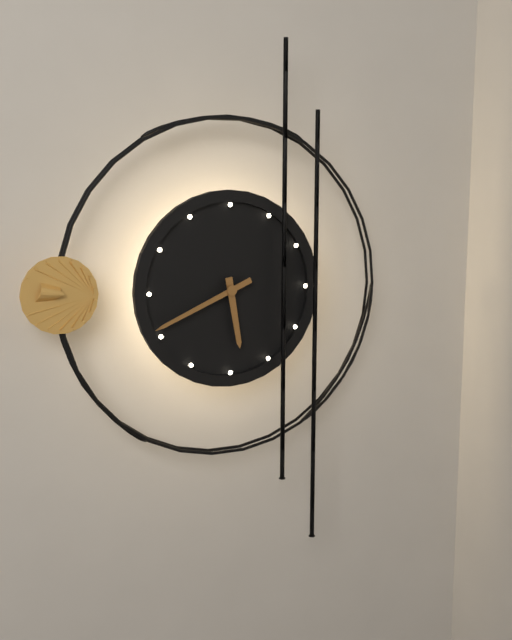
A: 5 h 41 min
